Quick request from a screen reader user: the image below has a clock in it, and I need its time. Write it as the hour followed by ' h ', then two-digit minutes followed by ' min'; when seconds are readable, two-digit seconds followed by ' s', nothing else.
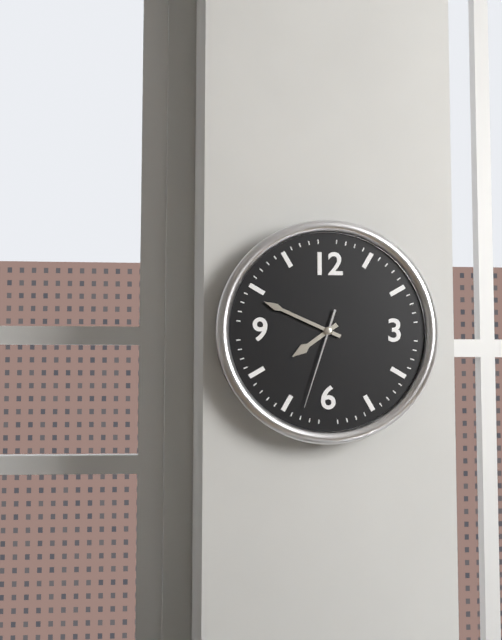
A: 7 h 49 min 33 s
